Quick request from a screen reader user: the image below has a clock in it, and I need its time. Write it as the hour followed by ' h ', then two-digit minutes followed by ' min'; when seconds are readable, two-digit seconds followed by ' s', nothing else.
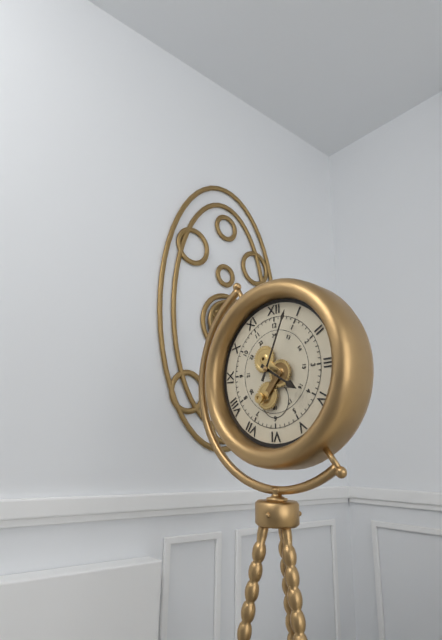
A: 4 h 04 min
